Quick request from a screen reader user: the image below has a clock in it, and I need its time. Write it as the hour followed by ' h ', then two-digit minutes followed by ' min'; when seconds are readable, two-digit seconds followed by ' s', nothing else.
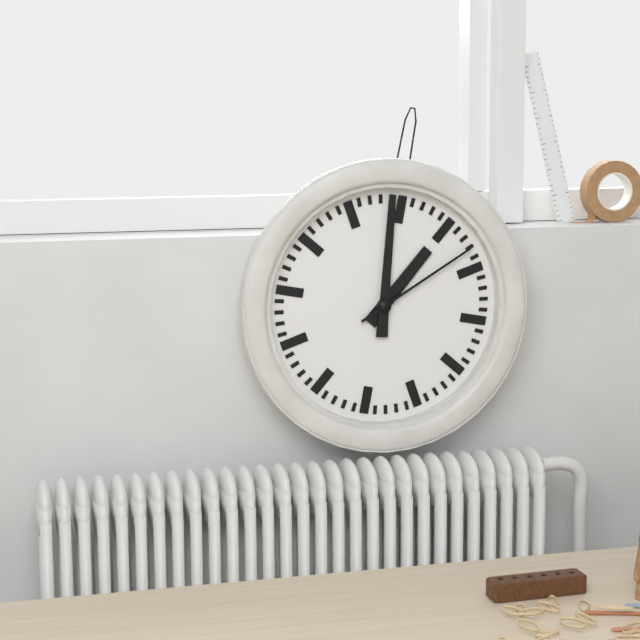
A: 12 h 59 min 08 s
